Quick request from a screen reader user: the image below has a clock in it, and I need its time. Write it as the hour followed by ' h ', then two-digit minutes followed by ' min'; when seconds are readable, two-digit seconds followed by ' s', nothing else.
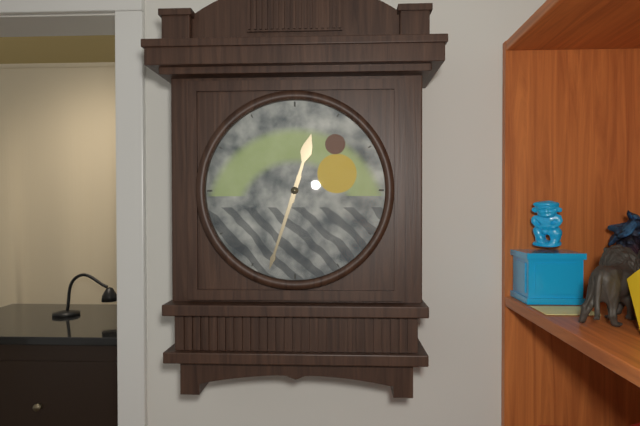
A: 12 h 33 min
